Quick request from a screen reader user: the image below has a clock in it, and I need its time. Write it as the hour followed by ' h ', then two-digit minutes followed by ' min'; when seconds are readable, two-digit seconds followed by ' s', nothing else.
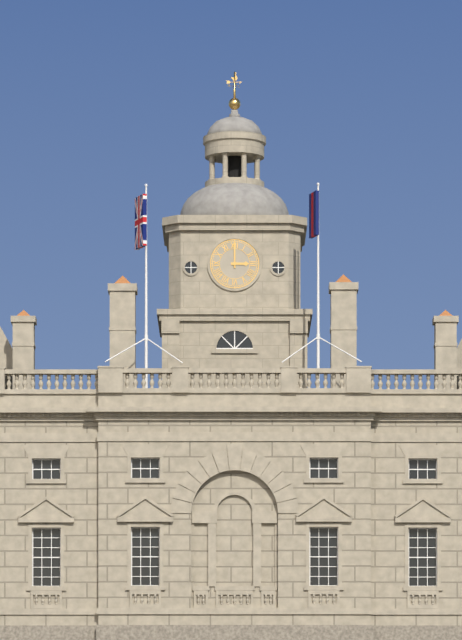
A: 3 h 00 min
